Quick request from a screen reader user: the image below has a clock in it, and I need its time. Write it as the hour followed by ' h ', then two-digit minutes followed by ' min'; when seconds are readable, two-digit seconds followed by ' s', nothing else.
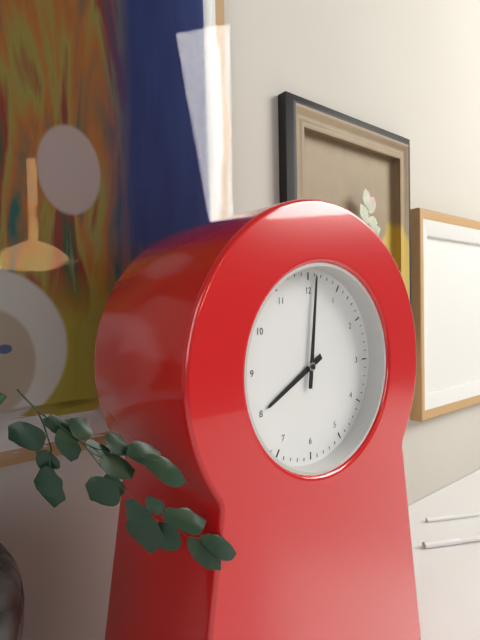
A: 8 h 01 min
